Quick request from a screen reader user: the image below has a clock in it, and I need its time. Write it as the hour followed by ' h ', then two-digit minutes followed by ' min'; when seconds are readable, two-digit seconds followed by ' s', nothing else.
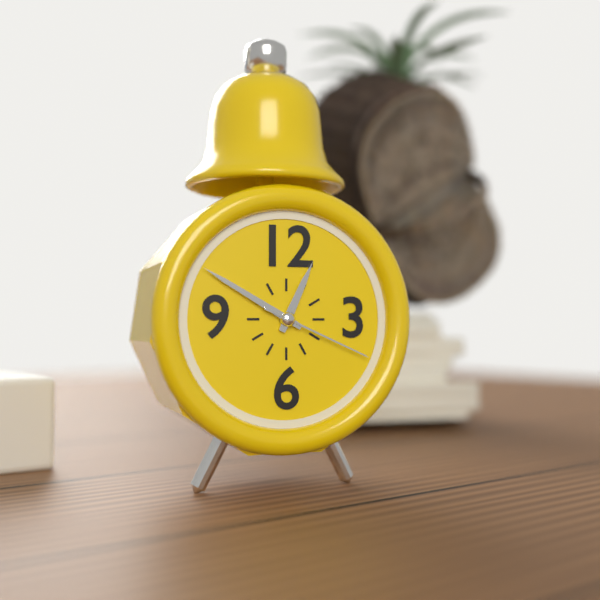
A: 12 h 50 min 19 s
